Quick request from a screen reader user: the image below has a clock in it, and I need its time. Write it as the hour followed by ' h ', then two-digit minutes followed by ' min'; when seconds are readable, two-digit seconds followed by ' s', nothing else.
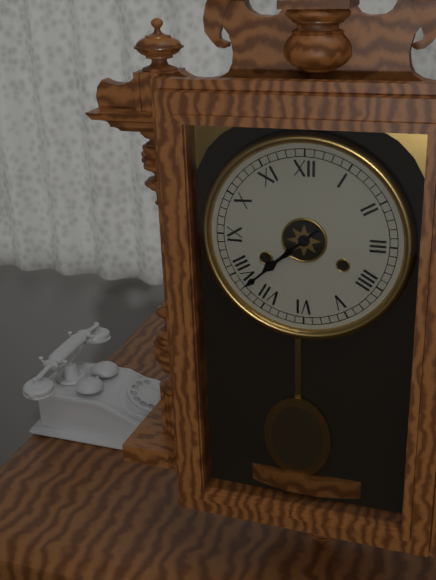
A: 7 h 38 min
